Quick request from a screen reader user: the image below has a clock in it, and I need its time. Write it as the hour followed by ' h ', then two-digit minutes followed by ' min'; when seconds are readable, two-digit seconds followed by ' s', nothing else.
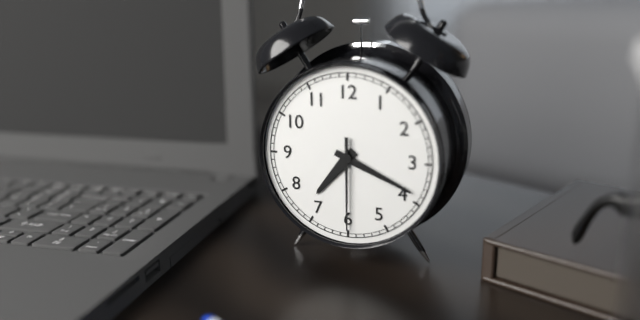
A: 7 h 19 min 30 s
